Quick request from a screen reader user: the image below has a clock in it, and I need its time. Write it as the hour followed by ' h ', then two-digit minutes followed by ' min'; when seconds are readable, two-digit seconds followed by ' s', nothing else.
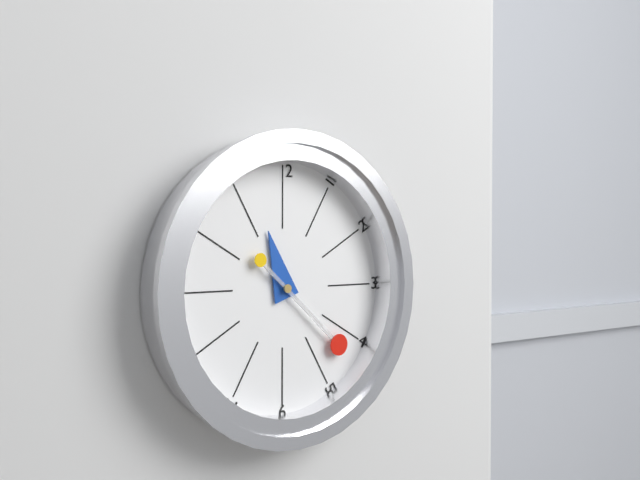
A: 11 h 22 min
